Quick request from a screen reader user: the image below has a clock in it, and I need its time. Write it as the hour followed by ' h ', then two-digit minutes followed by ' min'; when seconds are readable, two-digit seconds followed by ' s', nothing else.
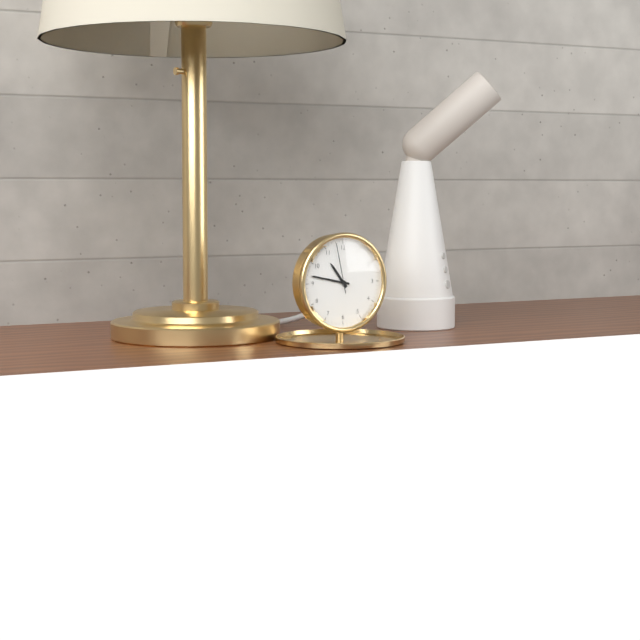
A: 10 h 47 min
